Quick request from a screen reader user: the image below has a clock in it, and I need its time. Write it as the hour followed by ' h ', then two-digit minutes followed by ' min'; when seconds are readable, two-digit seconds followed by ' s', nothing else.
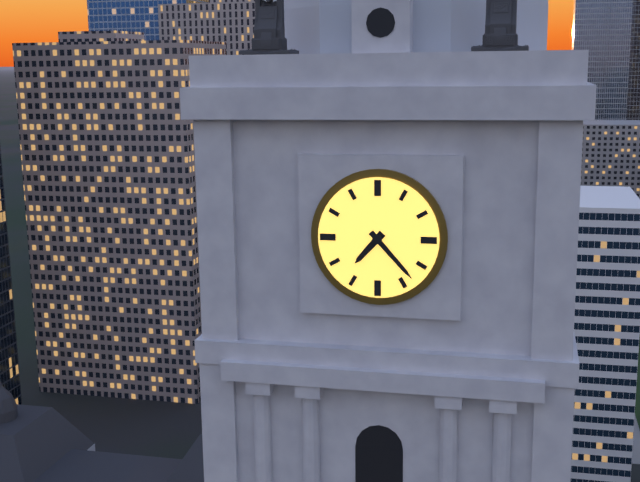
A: 7 h 23 min
